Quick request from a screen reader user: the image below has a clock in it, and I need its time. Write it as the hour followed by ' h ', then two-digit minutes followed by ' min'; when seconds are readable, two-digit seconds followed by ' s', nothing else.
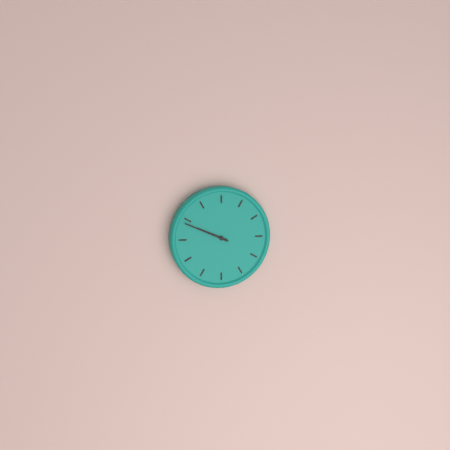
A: 9 h 49 min
